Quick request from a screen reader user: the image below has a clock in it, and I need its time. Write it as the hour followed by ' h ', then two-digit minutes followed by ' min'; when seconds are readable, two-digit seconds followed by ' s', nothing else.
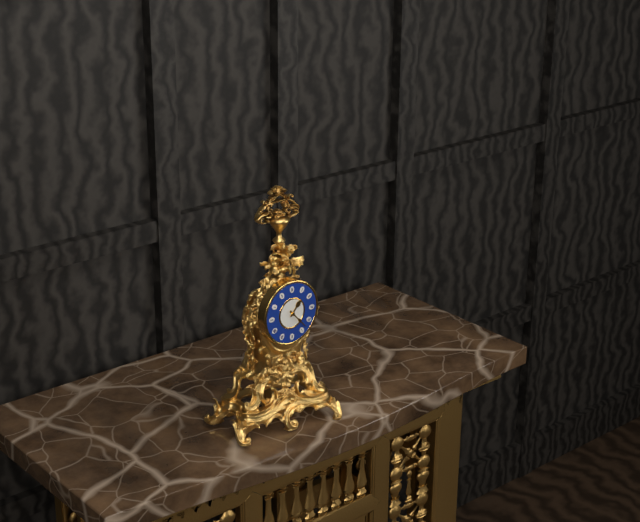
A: 1 h 23 min
